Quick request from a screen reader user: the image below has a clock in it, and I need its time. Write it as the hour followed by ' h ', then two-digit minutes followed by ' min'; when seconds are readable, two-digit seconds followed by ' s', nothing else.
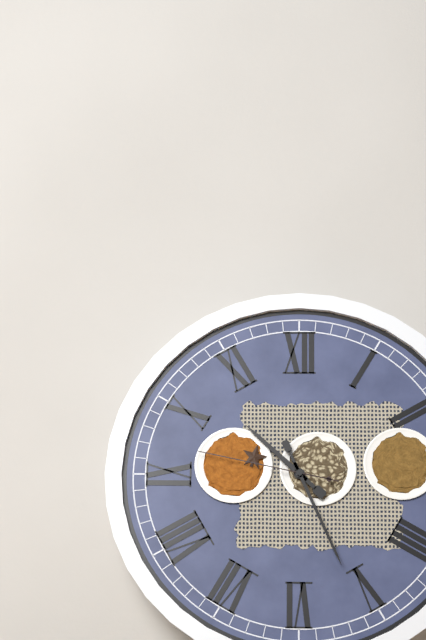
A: 10 h 26 min 47 s
